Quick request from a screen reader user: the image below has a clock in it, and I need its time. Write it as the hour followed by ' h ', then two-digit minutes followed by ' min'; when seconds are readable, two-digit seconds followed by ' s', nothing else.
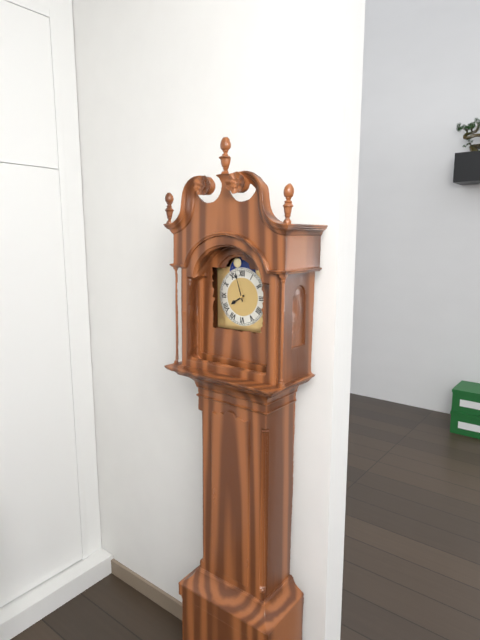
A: 7 h 57 min
